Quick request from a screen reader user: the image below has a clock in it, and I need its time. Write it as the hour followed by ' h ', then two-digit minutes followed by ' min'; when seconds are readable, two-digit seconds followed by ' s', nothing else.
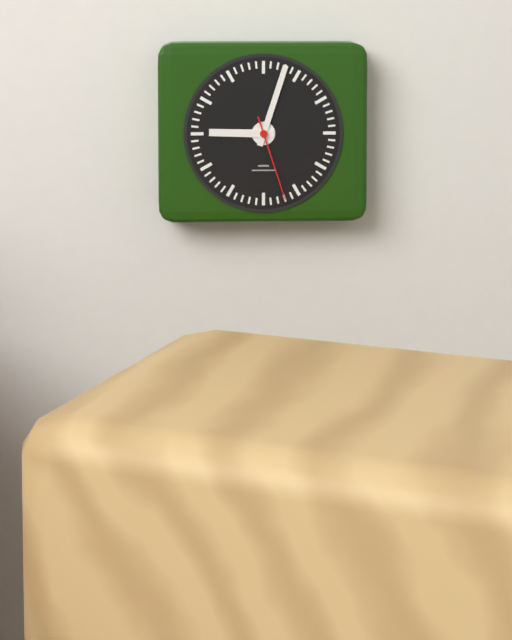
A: 9 h 03 min 27 s
